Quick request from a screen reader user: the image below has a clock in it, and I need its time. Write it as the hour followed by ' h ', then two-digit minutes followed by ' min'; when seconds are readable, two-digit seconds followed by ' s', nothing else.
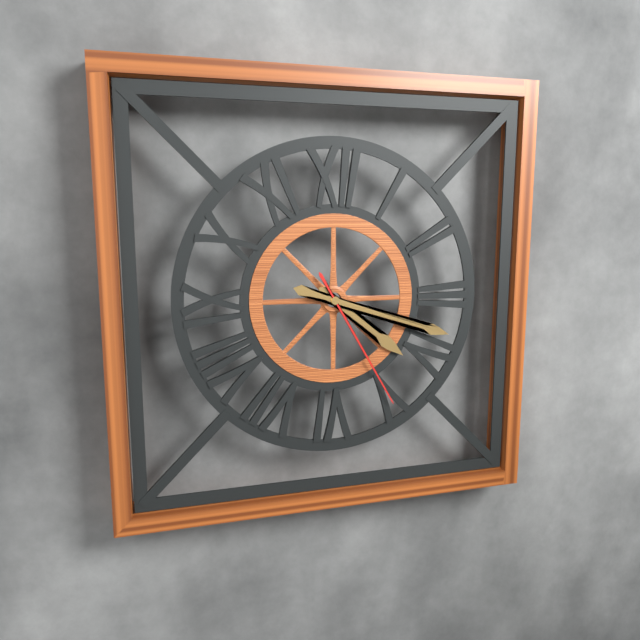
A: 4 h 18 min 25 s
